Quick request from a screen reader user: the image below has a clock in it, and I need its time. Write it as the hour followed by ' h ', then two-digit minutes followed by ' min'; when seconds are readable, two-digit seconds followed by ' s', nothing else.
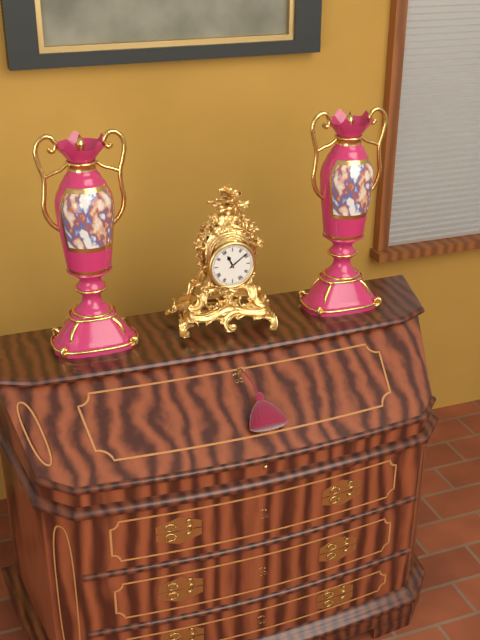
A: 11 h 09 min
